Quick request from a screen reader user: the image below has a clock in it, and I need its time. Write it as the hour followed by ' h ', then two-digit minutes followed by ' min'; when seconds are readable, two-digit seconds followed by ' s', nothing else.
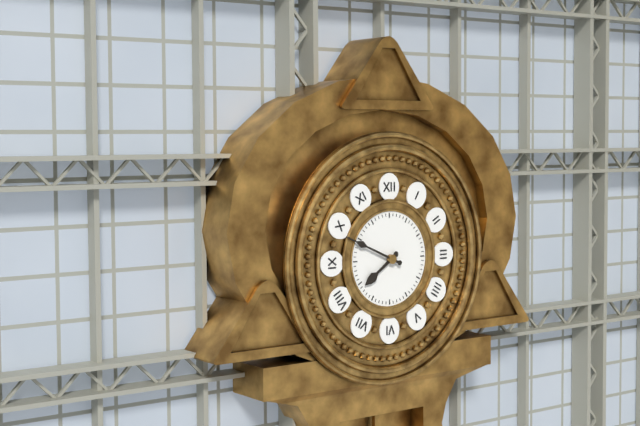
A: 7 h 49 min
